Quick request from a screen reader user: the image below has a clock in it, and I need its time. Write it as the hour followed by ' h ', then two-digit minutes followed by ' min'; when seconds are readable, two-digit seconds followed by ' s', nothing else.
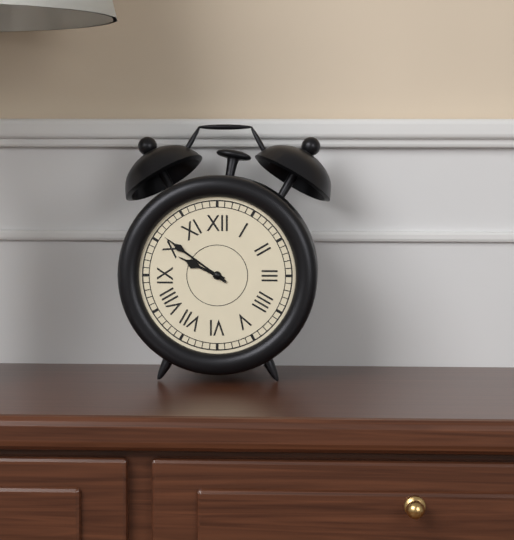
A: 9 h 51 min
